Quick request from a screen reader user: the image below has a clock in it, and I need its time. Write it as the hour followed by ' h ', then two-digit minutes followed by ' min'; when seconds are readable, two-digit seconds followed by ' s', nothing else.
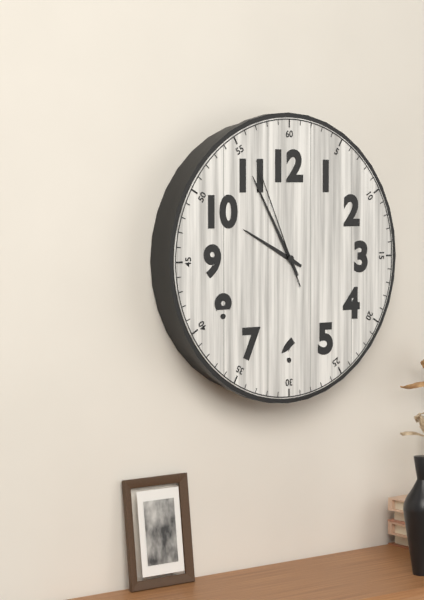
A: 9 h 55 min 56 s
